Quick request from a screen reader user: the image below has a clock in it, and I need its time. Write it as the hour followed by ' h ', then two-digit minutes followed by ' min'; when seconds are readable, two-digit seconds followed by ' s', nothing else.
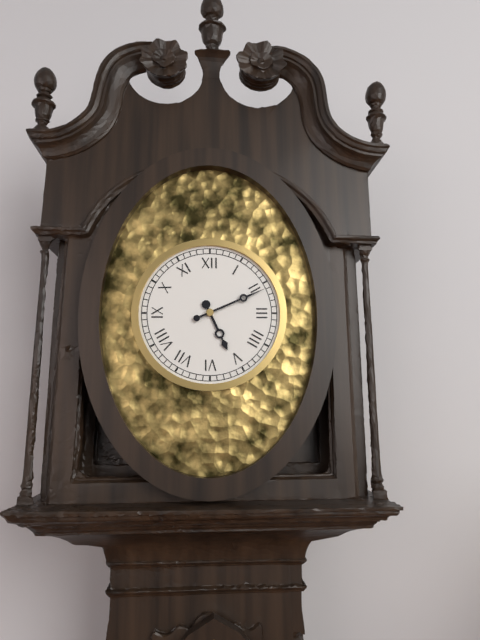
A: 5 h 11 min
